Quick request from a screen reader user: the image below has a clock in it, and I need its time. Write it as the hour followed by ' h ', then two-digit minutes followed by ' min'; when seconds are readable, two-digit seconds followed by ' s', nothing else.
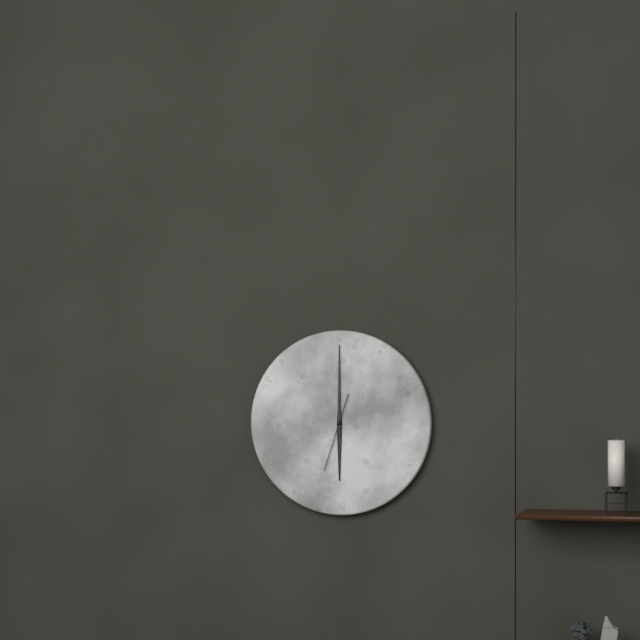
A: 6 h 00 min 33 s
